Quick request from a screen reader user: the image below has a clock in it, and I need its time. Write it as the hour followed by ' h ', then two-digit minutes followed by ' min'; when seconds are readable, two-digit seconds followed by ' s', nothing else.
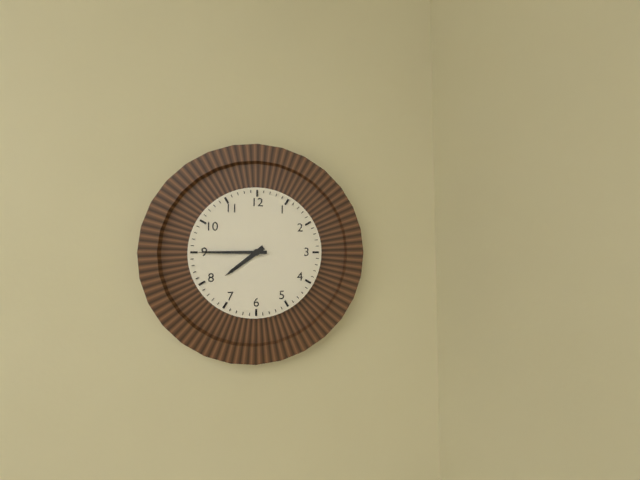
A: 7 h 45 min
